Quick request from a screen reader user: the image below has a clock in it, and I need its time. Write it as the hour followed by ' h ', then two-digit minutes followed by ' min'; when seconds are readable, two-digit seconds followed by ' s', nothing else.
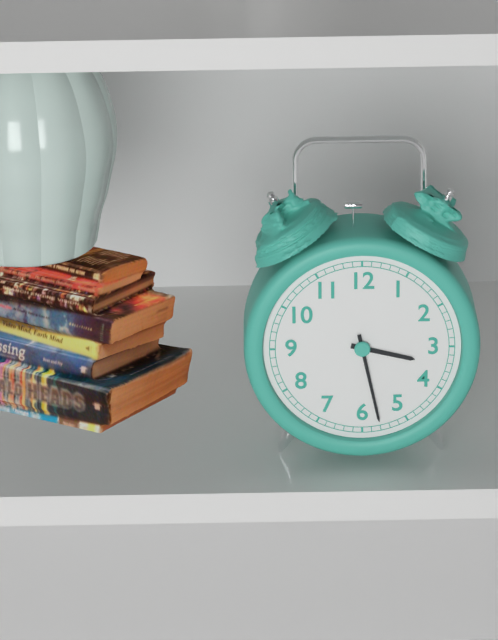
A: 3 h 28 min
